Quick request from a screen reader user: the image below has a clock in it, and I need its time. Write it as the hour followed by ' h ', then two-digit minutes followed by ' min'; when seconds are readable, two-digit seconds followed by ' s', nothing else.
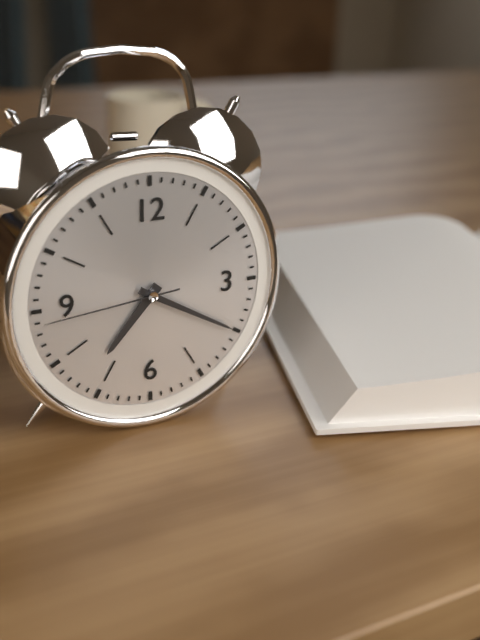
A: 7 h 20 min 44 s
